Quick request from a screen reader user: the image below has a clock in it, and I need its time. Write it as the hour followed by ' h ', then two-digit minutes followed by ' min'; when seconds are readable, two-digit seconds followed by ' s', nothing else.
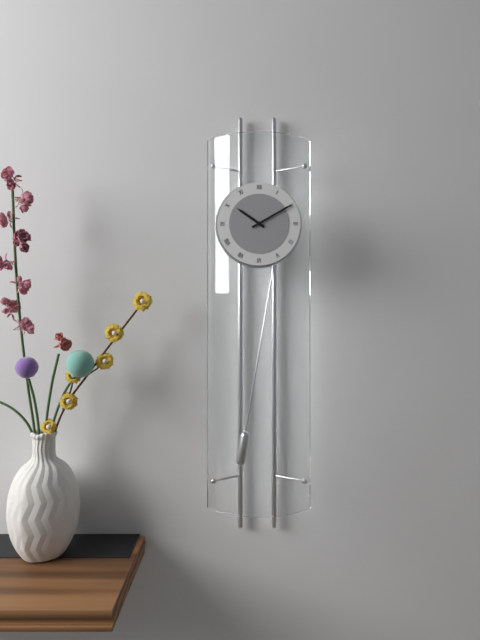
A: 10 h 10 min
